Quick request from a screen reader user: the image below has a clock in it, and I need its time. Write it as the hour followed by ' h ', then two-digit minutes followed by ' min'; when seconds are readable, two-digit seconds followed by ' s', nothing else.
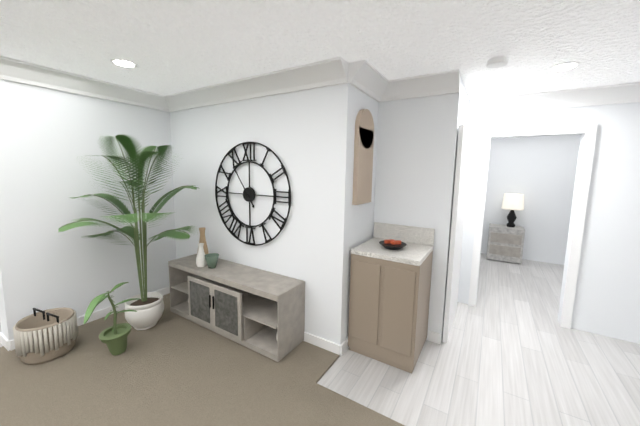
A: 4 h 54 min
